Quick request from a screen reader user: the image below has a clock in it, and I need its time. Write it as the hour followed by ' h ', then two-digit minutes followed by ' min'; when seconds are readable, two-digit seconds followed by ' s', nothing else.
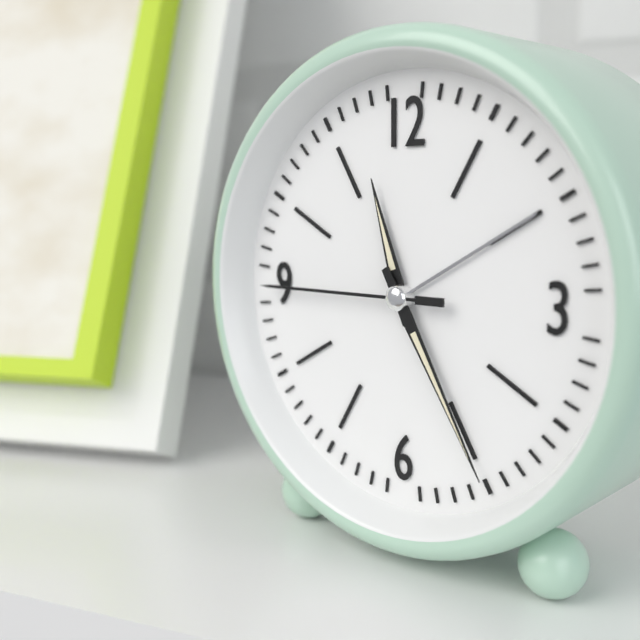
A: 11 h 25 min 45 s
